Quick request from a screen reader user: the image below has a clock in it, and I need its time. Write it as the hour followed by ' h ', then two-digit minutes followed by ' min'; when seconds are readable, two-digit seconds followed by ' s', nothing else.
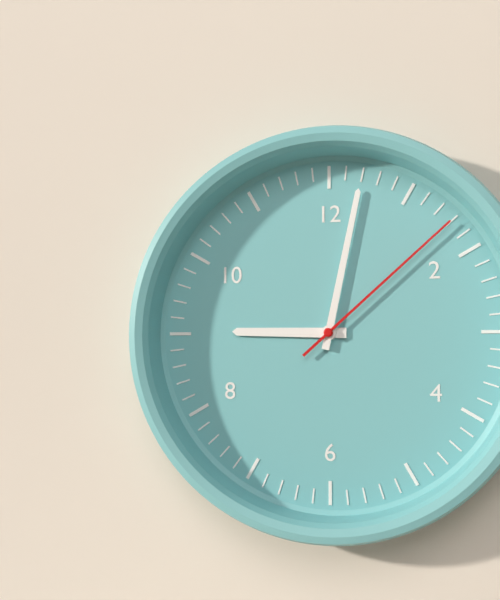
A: 9 h 02 min 08 s
